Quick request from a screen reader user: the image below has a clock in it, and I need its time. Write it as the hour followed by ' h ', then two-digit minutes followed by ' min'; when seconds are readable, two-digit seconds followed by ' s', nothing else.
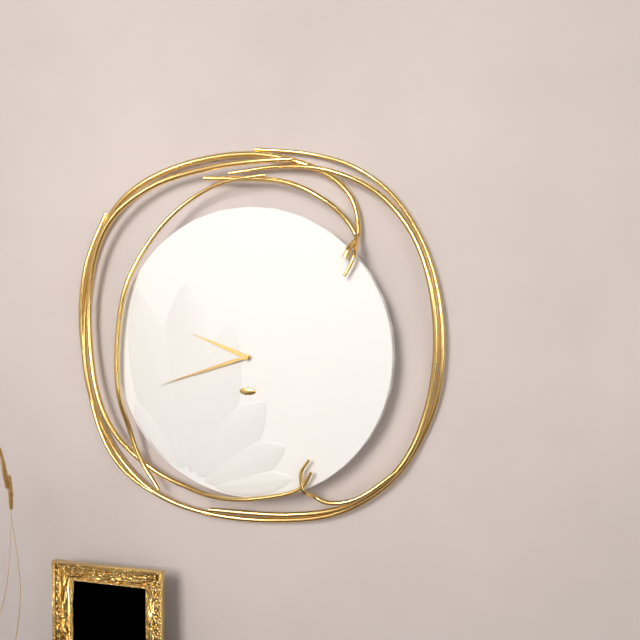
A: 9 h 42 min
